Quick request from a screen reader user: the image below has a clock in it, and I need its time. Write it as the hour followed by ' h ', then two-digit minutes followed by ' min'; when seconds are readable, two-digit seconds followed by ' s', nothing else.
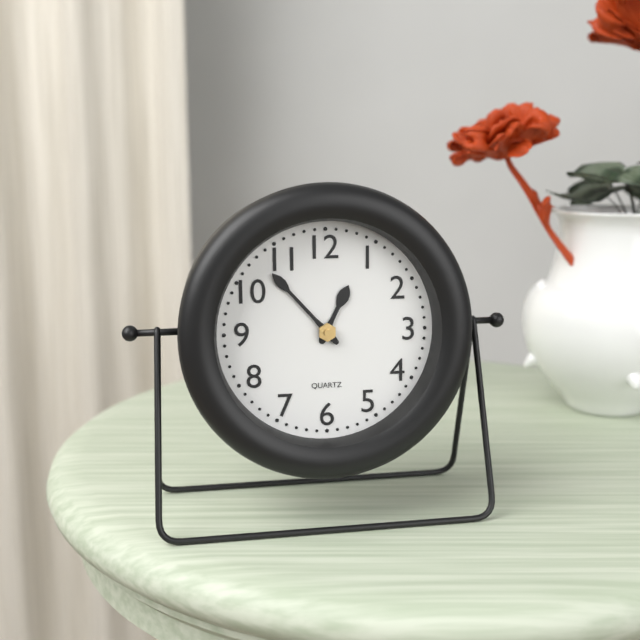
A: 12 h 53 min
